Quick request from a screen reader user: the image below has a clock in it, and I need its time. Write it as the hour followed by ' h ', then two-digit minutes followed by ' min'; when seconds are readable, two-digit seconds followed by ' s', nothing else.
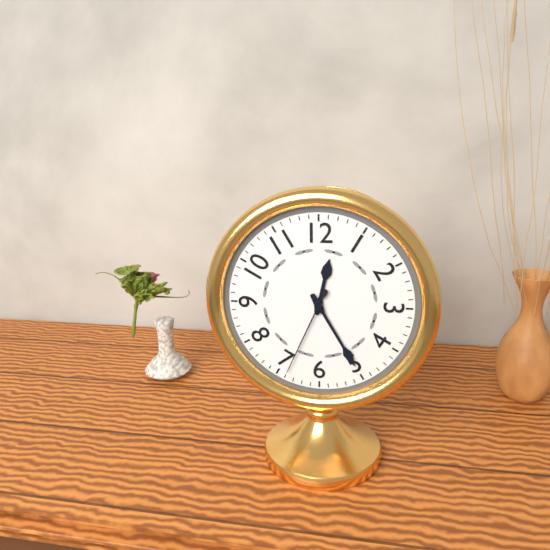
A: 12 h 25 min 34 s
